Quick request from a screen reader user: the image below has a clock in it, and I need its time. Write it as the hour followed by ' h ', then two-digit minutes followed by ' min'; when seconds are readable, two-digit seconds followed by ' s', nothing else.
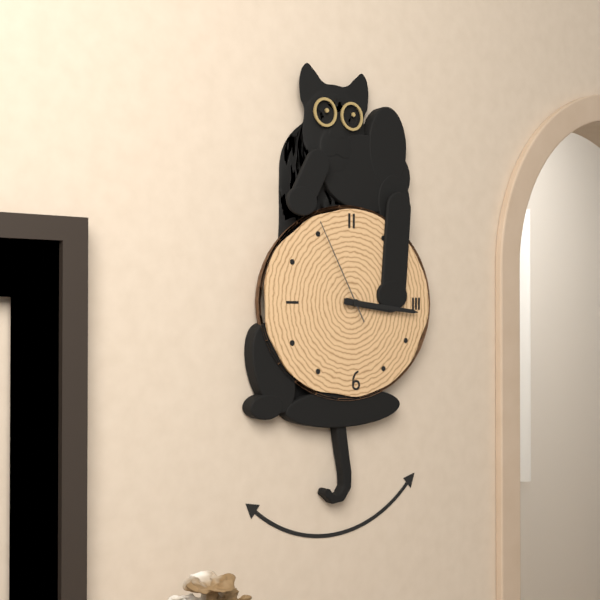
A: 3 h 16 min 55 s
